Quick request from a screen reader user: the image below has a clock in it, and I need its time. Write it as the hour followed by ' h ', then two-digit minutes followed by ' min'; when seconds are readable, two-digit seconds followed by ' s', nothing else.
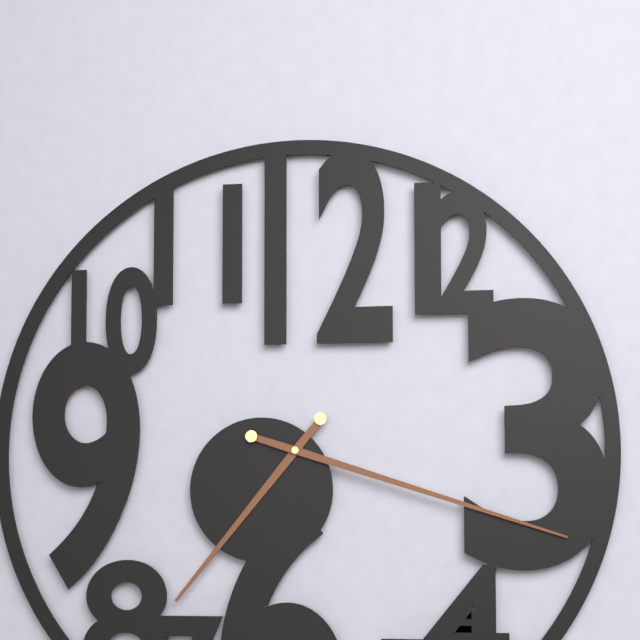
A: 7 h 18 min
